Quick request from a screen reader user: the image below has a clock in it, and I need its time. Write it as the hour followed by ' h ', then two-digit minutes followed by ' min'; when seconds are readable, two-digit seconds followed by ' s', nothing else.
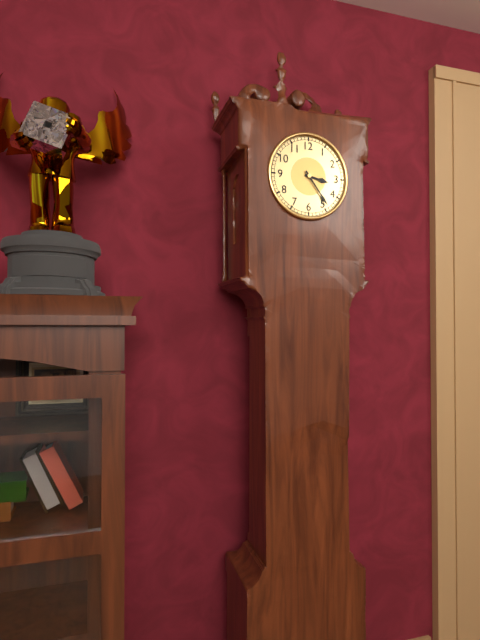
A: 3 h 24 min
